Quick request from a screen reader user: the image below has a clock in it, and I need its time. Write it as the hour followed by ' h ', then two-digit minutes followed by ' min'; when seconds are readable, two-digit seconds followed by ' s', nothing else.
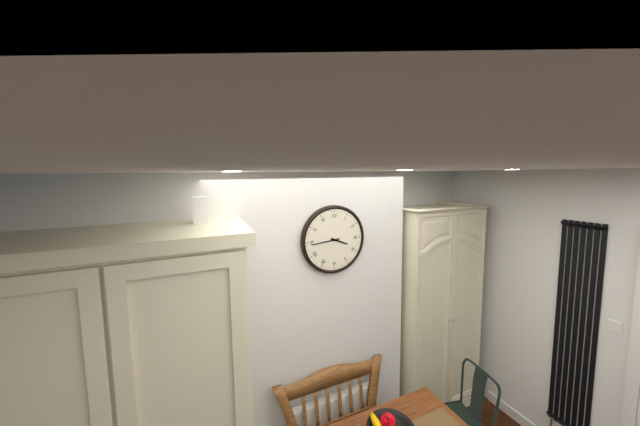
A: 3 h 44 min
